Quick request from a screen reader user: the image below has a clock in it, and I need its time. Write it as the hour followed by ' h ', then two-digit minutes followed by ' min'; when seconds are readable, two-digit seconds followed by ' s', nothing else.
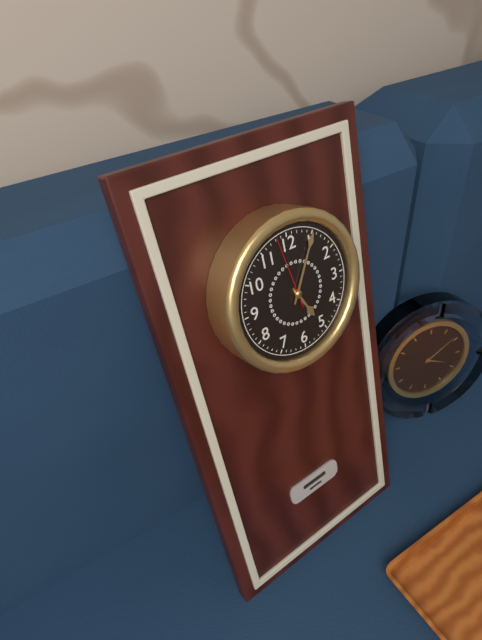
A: 5 h 05 min 58 s
